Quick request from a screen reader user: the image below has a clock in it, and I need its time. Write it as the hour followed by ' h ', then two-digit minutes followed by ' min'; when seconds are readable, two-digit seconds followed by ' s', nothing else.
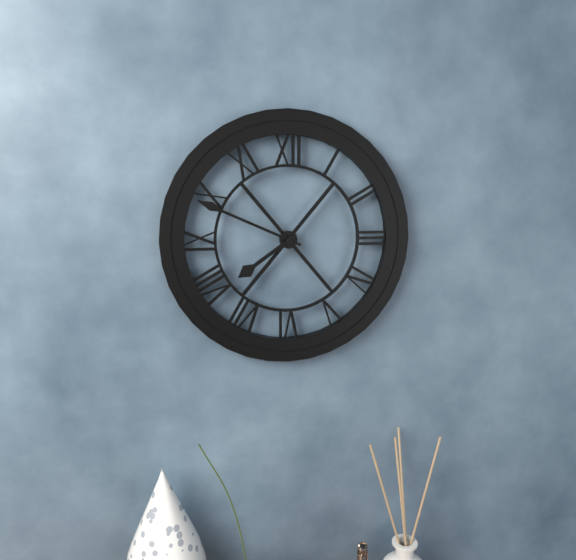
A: 7 h 49 min
